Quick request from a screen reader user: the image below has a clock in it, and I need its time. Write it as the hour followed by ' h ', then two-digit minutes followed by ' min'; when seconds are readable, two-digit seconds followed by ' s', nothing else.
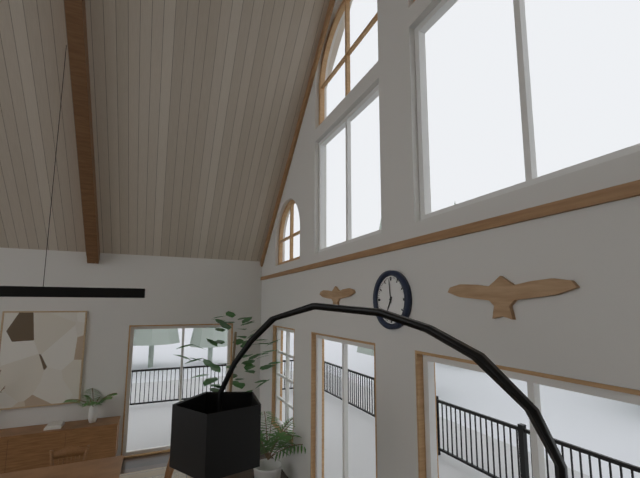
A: 6 h 59 min
